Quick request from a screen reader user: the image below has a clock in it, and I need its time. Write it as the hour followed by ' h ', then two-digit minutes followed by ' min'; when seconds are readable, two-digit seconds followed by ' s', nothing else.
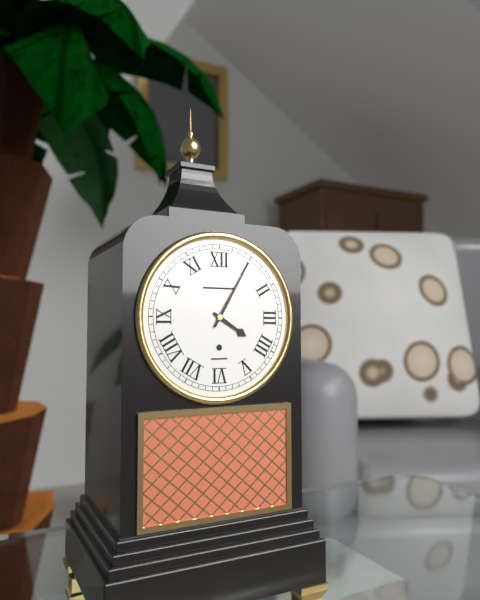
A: 4 h 05 min
